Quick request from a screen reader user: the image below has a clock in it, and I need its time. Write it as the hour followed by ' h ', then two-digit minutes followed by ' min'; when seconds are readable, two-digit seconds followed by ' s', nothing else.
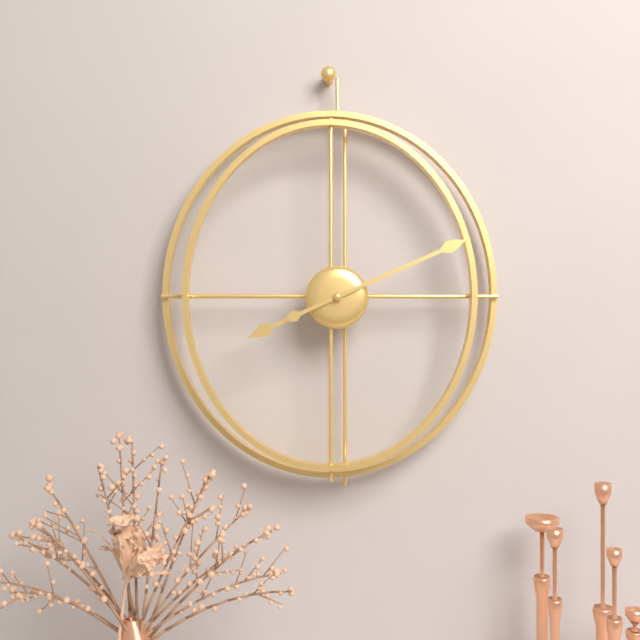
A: 8 h 11 min
